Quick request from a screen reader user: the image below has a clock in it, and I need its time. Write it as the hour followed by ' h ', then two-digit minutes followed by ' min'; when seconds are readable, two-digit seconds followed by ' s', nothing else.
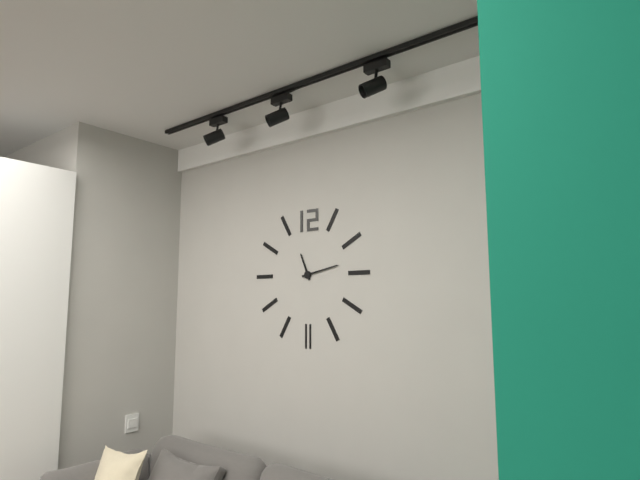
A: 11 h 13 min
